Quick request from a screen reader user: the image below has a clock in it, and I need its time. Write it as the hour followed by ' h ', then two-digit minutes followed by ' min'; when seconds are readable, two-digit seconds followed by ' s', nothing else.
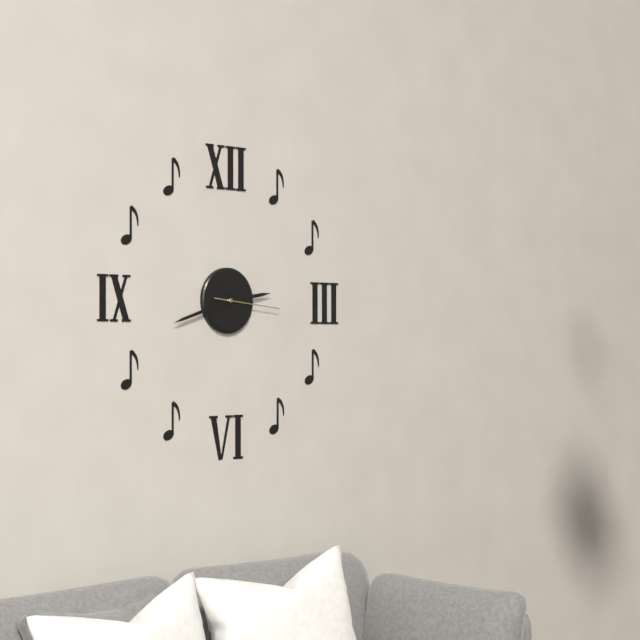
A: 2 h 42 min 16 s
